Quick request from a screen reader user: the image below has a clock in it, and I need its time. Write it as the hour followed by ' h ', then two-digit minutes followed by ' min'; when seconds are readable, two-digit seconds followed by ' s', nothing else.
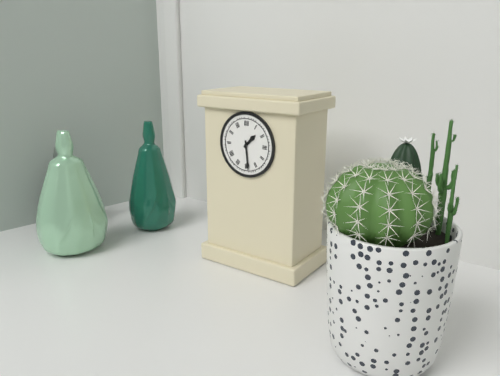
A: 1 h 29 min
